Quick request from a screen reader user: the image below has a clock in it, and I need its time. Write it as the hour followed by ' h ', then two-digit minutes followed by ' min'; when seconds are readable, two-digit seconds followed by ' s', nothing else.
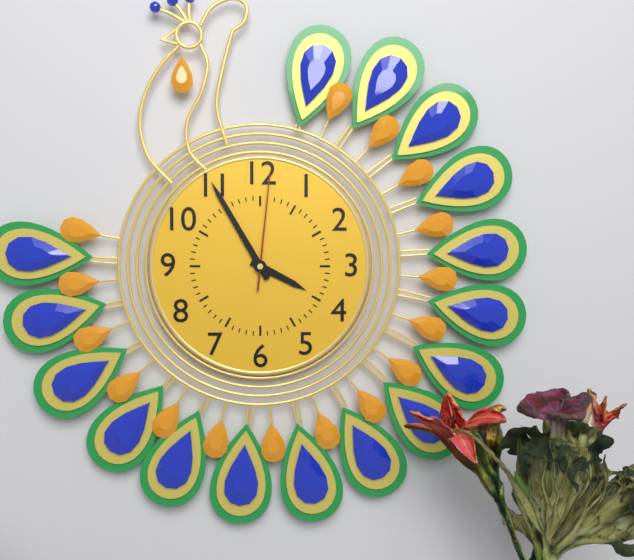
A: 3 h 55 min 01 s
